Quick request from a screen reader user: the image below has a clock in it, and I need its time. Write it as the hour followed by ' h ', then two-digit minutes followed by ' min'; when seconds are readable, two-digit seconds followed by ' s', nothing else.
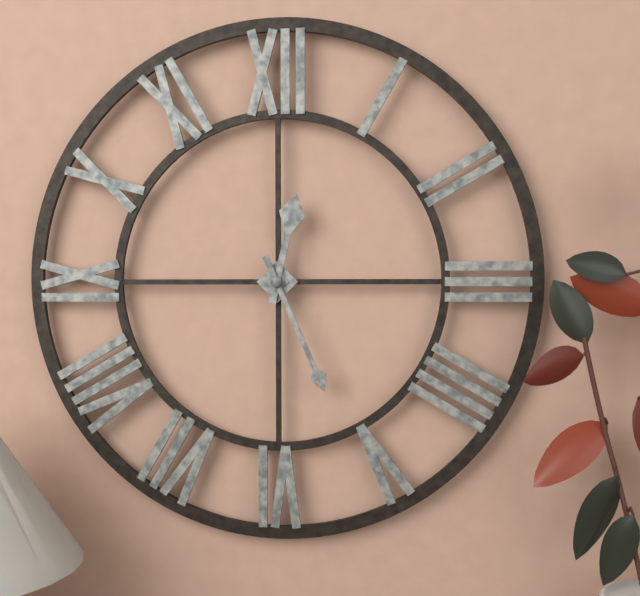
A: 12 h 26 min
